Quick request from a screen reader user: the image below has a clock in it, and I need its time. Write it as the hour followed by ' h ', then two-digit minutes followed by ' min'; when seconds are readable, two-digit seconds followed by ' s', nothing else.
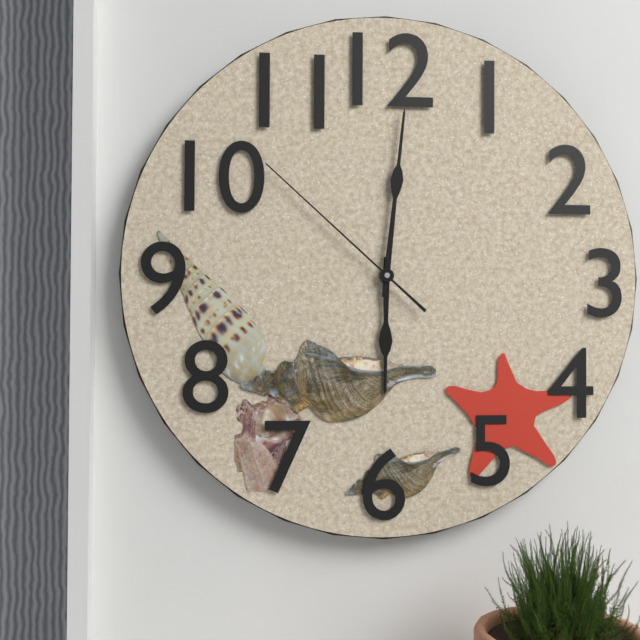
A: 6 h 01 min 52 s
